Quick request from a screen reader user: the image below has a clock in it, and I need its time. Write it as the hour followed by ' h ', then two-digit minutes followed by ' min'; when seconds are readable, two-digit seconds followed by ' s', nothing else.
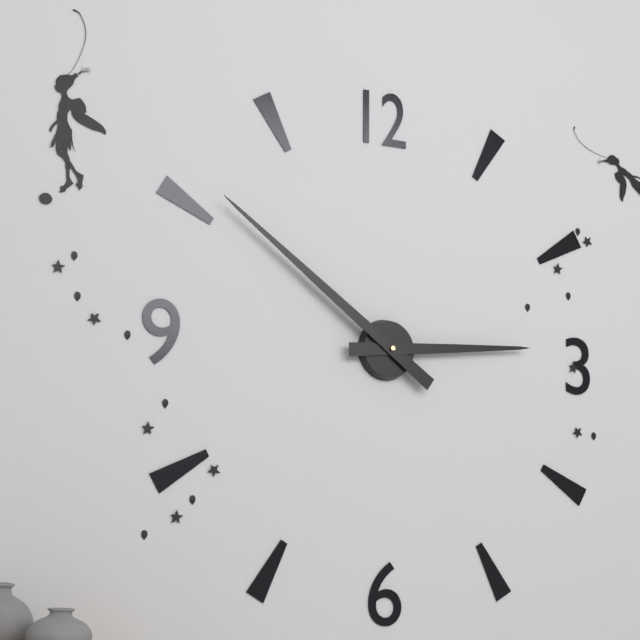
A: 2 h 51 min
